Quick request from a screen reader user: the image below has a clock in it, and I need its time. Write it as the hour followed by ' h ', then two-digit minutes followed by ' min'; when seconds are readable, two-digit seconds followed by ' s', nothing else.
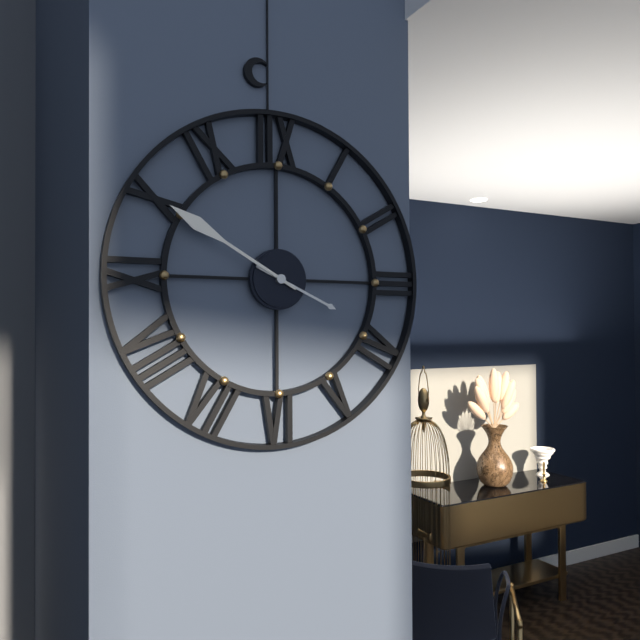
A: 3 h 50 min
